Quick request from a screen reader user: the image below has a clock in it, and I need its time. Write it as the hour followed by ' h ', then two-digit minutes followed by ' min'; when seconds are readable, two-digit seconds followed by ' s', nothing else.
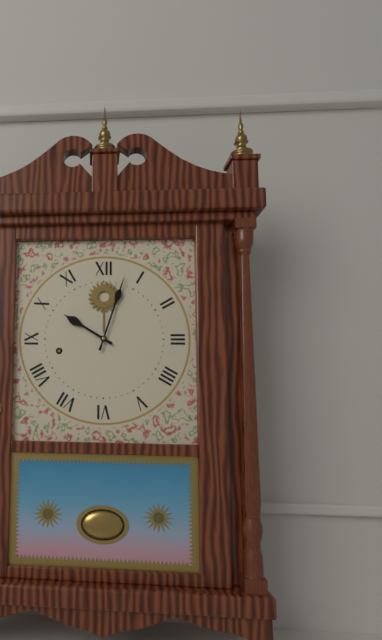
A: 10 h 03 min
